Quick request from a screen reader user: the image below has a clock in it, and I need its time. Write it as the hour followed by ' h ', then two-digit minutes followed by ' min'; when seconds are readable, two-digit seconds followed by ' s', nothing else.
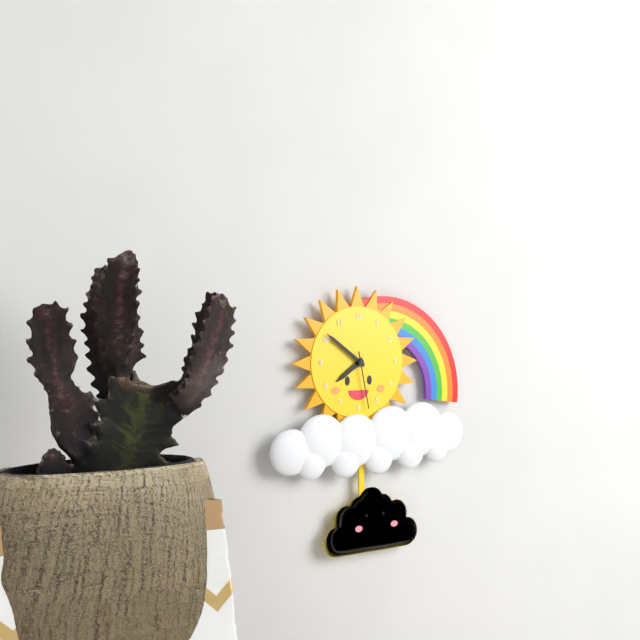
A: 7 h 51 min 28 s
